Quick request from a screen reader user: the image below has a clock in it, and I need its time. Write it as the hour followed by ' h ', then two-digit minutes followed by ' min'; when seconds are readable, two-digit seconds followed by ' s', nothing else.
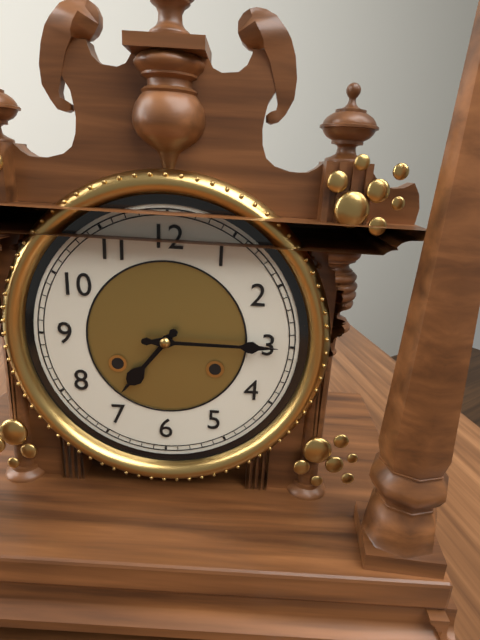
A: 7 h 15 min
